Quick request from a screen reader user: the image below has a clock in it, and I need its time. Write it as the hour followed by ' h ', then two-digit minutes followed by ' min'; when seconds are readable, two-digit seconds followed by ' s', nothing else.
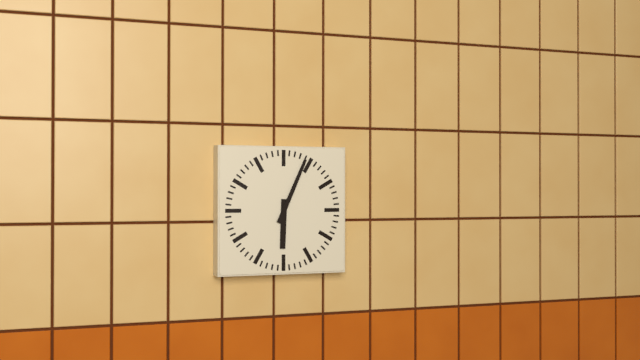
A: 6 h 04 min
